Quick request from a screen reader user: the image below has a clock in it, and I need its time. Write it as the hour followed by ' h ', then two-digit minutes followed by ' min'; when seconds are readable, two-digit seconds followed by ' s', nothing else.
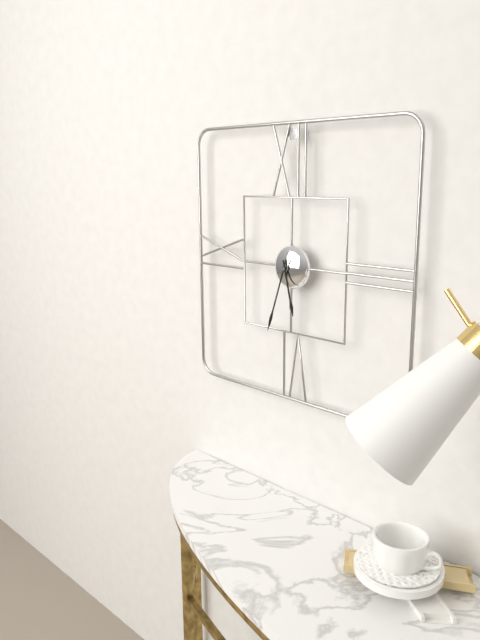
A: 5 h 33 min
